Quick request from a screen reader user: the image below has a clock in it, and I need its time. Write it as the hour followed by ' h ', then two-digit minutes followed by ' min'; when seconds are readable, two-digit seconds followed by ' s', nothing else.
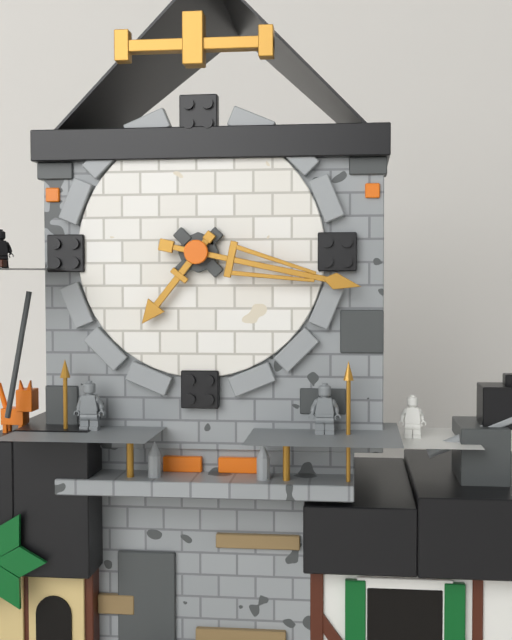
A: 7 h 17 min
